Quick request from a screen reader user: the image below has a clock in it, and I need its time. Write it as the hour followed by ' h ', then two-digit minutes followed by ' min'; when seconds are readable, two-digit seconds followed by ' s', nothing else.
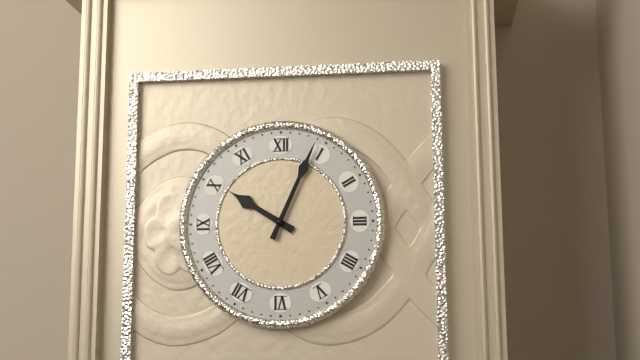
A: 10 h 04 min
